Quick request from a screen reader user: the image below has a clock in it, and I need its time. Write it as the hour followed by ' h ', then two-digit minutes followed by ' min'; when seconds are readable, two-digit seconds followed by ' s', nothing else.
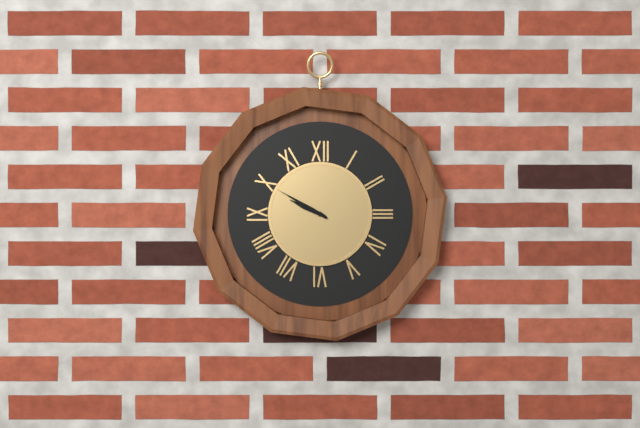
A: 9 h 50 min
